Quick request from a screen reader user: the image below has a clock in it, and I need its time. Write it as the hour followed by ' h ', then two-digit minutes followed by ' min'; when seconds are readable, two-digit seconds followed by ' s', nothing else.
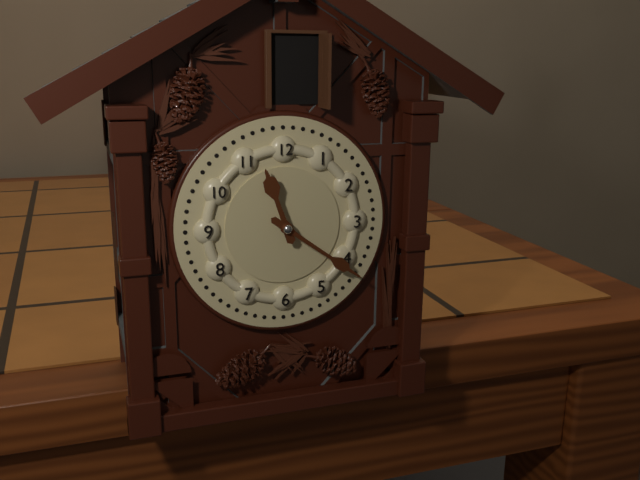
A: 11 h 21 min
